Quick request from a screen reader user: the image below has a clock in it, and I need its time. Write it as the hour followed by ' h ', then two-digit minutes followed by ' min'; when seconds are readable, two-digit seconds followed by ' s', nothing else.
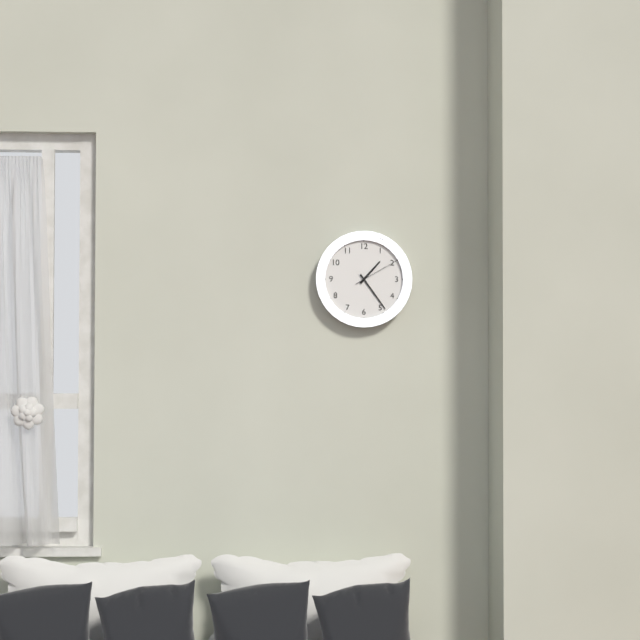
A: 1 h 24 min
